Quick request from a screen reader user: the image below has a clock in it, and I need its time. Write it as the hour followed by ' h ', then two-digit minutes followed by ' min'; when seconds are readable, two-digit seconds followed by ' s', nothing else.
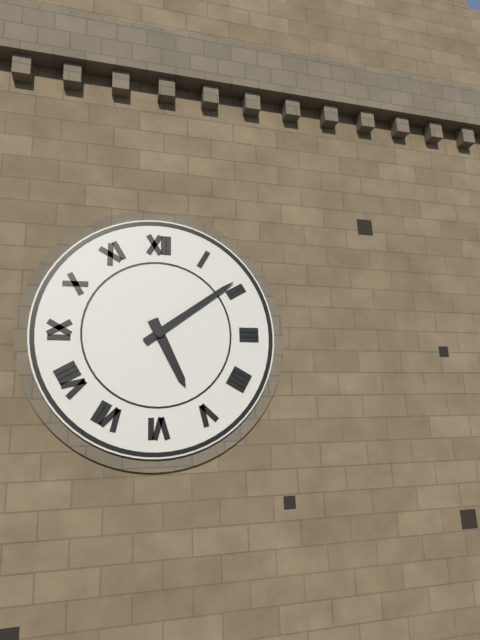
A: 5 h 09 min
